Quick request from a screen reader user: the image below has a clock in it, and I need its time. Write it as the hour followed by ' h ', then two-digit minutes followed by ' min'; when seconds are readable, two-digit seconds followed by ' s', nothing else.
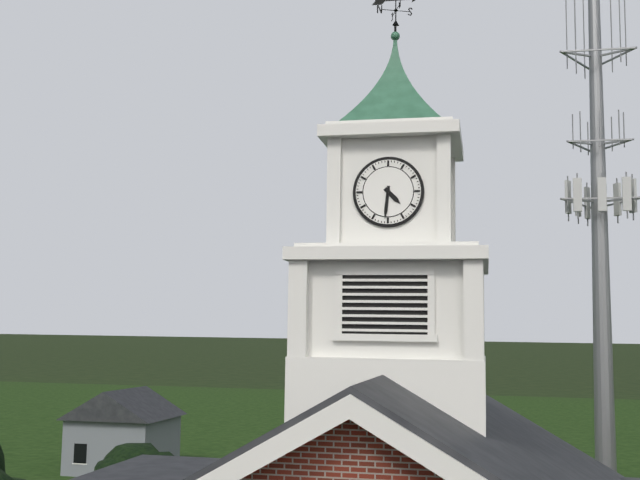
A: 4 h 31 min
